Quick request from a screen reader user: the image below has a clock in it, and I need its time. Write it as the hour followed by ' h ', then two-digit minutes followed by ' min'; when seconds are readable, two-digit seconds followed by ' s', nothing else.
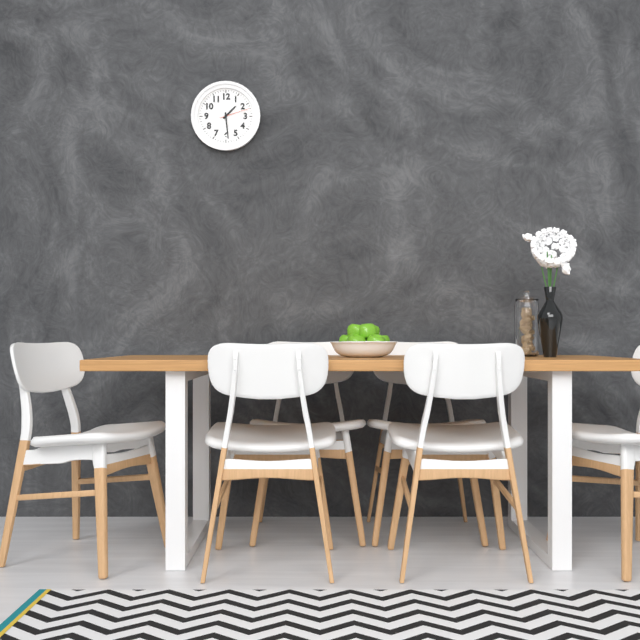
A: 1 h 29 min
